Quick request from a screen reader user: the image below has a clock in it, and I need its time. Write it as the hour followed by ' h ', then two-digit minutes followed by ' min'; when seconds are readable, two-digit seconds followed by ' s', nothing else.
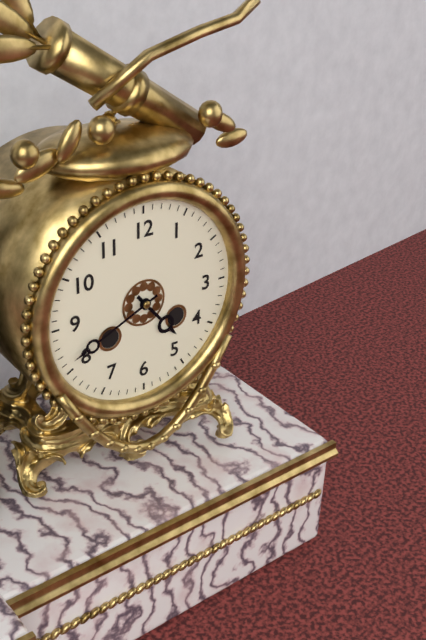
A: 4 h 41 min
